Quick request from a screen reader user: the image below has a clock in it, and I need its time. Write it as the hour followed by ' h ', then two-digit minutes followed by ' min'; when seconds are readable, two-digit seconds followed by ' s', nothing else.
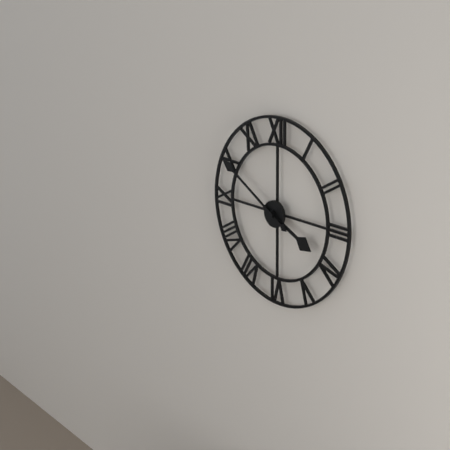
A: 3 h 50 min
